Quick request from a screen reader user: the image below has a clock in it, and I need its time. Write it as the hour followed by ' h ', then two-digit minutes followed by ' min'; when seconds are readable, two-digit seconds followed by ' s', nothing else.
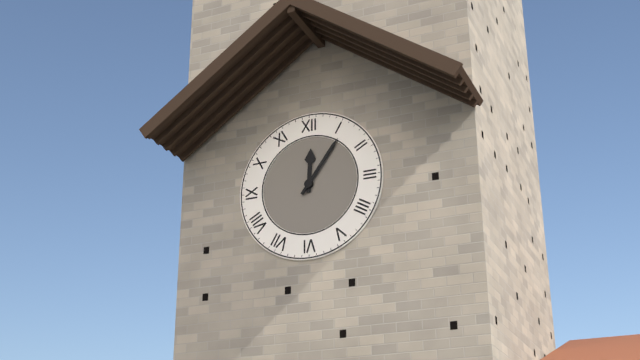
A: 12 h 06 min
